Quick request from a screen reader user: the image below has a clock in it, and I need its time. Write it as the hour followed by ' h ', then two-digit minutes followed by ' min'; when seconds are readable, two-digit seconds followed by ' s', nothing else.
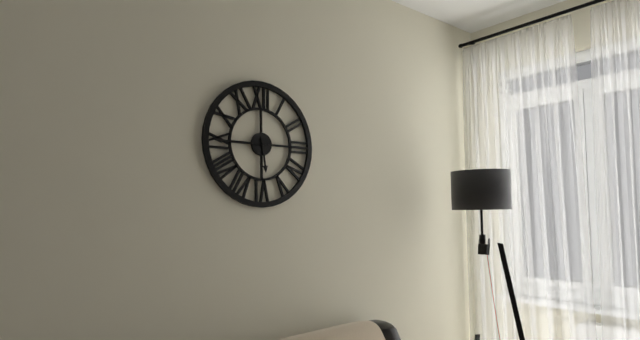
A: 5 h 45 min
